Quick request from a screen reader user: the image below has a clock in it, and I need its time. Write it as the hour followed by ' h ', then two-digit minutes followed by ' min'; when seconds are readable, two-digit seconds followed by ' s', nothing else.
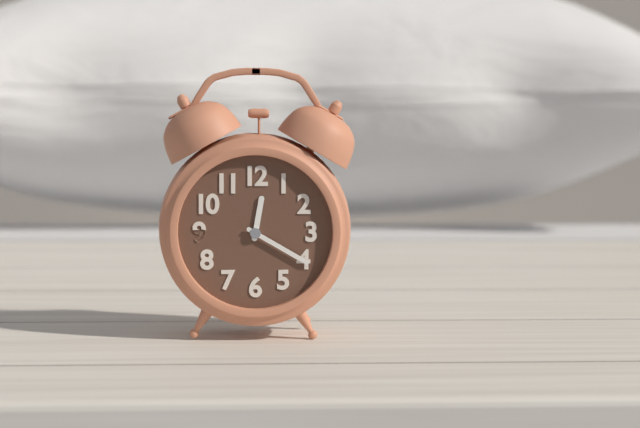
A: 12 h 20 min
